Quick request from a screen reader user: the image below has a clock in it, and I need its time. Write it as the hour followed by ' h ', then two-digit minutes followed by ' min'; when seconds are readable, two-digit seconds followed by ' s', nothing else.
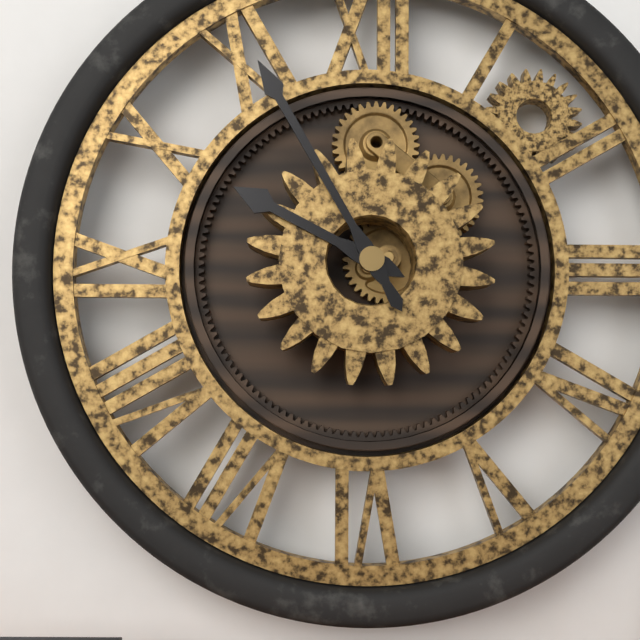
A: 9 h 55 min
